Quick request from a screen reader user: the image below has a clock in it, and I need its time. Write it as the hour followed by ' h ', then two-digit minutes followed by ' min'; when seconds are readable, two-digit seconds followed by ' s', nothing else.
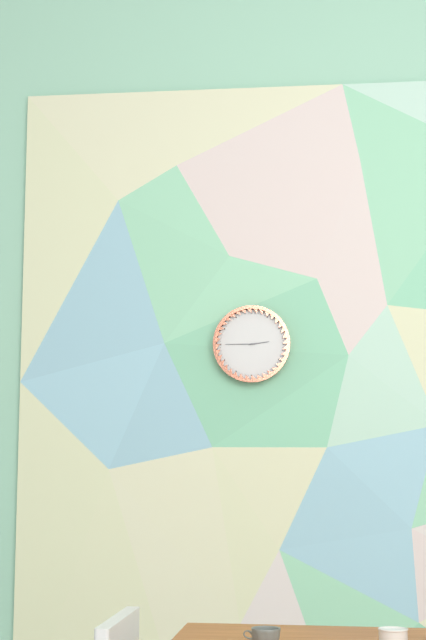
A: 2 h 45 min
